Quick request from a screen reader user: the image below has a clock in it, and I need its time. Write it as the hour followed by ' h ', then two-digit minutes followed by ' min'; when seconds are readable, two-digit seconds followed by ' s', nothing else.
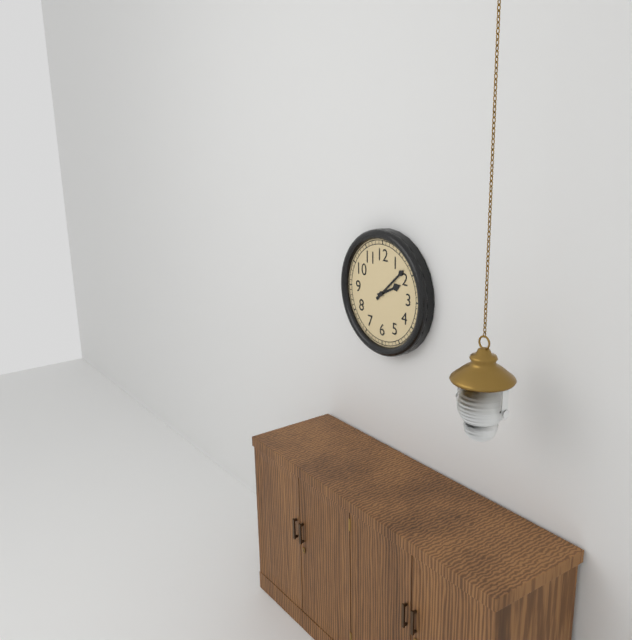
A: 2 h 08 min
